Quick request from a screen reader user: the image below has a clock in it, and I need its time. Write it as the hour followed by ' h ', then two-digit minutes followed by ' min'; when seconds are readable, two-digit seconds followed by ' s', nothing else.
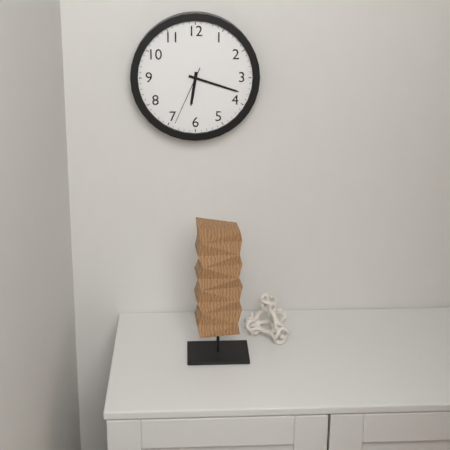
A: 6 h 18 min 34 s
